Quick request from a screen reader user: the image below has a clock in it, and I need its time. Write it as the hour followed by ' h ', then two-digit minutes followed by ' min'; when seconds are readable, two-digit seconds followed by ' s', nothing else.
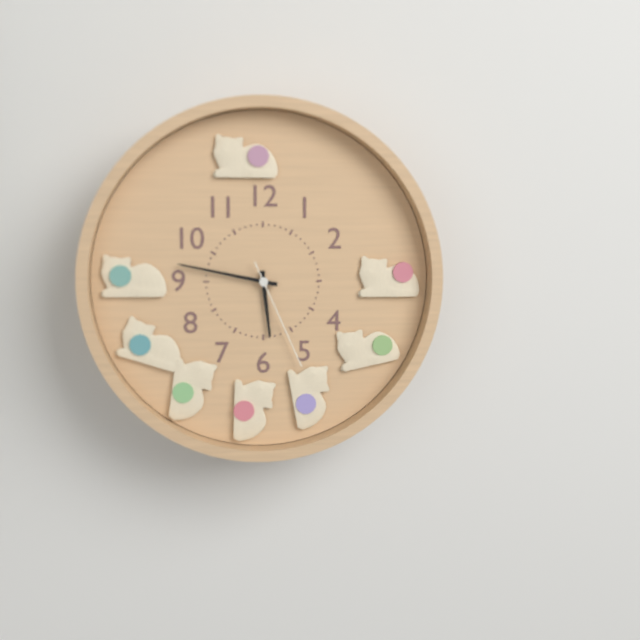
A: 5 h 47 min 26 s
